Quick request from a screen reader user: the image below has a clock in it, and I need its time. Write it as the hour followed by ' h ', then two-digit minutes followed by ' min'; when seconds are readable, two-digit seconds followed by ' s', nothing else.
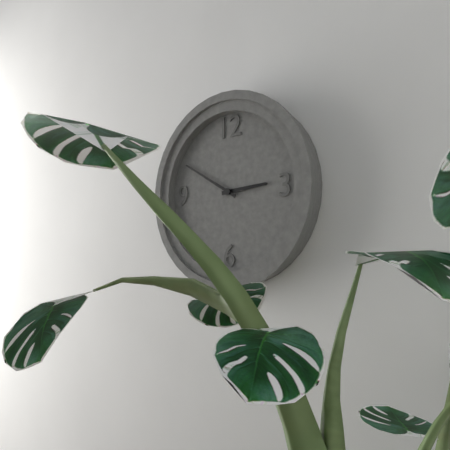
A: 2 h 50 min
